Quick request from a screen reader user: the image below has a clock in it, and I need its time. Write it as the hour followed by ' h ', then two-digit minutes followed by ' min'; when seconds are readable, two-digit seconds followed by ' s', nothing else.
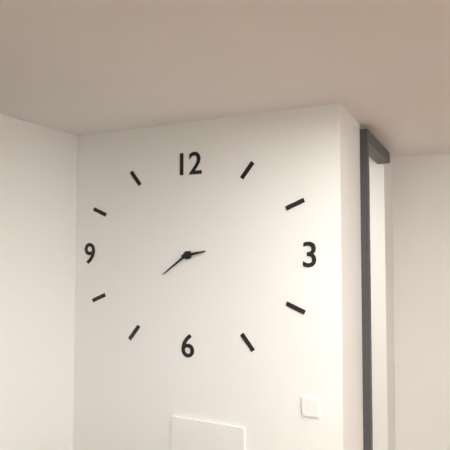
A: 2 h 39 min
